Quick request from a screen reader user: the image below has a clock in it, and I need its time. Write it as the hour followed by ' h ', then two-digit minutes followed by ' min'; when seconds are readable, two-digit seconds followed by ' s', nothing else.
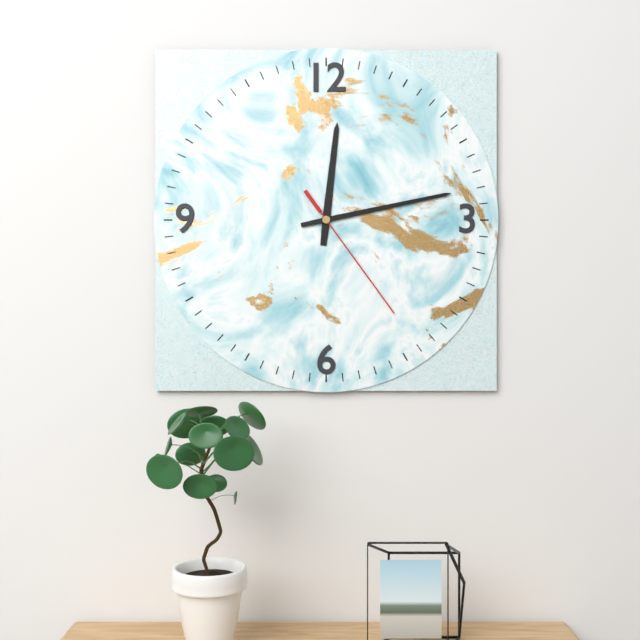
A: 12 h 13 min 24 s
